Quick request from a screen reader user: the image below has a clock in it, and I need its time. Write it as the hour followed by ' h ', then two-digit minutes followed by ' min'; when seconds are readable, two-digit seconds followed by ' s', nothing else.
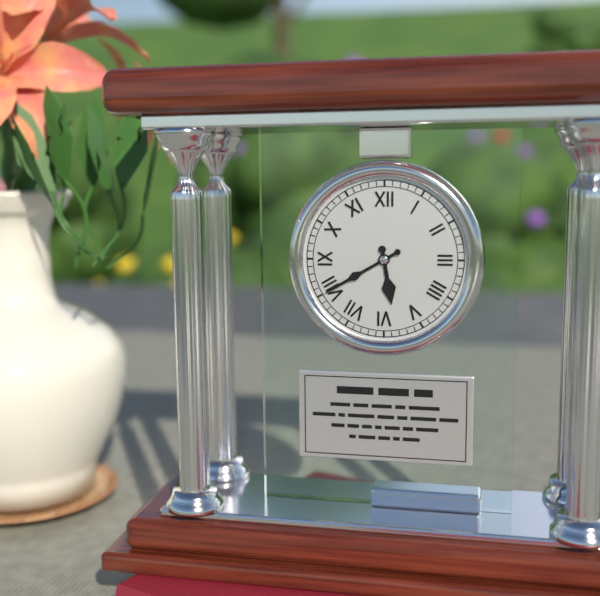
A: 5 h 40 min
